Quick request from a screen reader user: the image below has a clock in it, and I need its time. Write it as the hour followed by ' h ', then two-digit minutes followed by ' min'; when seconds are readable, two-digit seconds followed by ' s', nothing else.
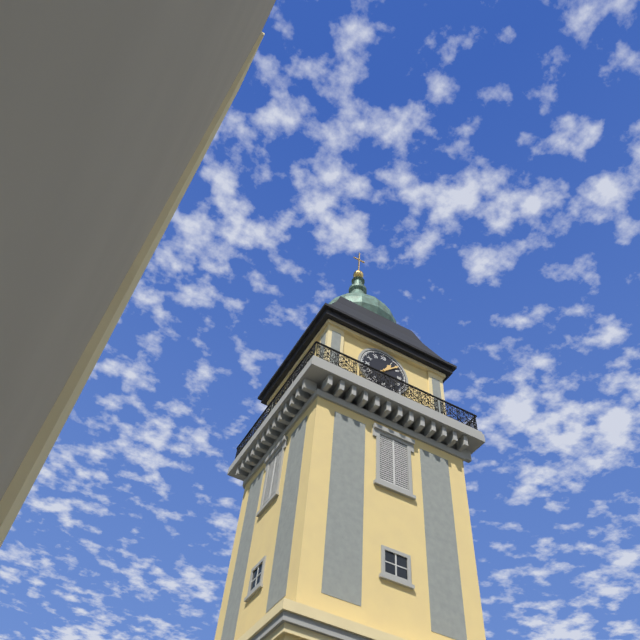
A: 1 h 08 min
